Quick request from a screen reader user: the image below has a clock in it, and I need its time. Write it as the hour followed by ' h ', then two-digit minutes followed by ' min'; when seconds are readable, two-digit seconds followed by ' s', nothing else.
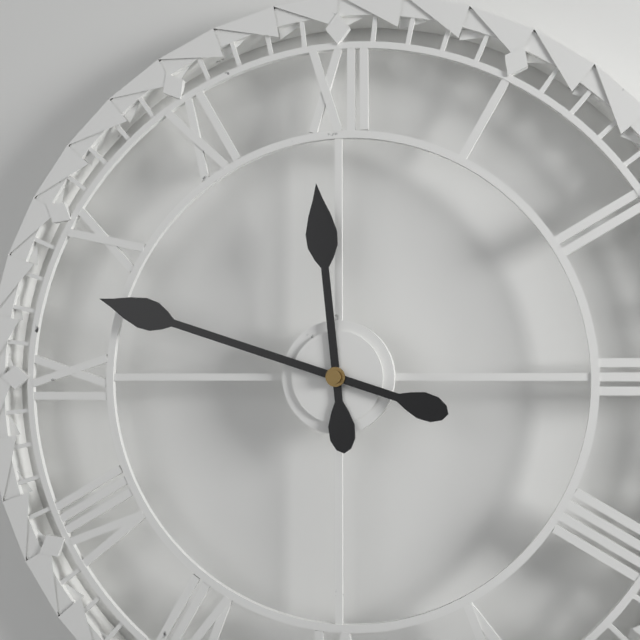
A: 11 h 48 min
